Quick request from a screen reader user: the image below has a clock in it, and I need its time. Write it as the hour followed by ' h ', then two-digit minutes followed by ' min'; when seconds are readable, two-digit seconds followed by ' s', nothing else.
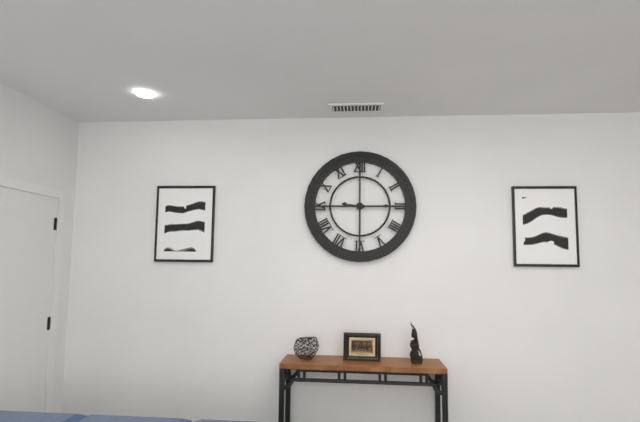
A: 9 h 15 min
